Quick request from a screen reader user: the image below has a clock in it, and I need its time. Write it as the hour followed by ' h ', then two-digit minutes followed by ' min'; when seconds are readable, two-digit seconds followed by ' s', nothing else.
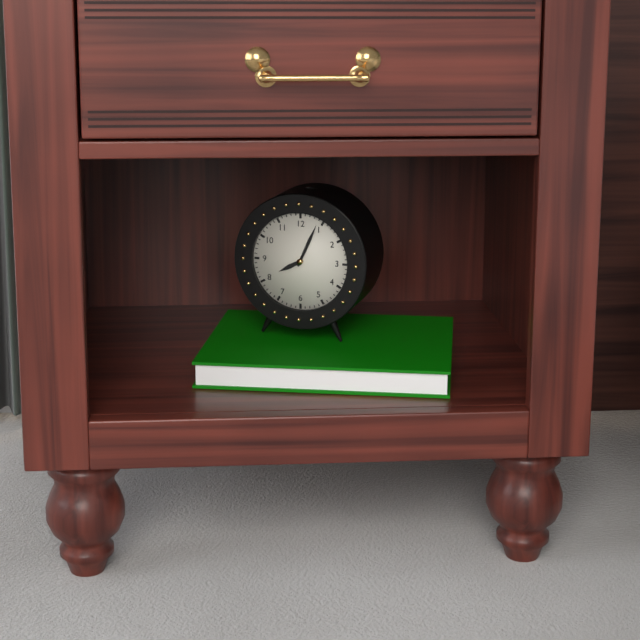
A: 8 h 04 min
